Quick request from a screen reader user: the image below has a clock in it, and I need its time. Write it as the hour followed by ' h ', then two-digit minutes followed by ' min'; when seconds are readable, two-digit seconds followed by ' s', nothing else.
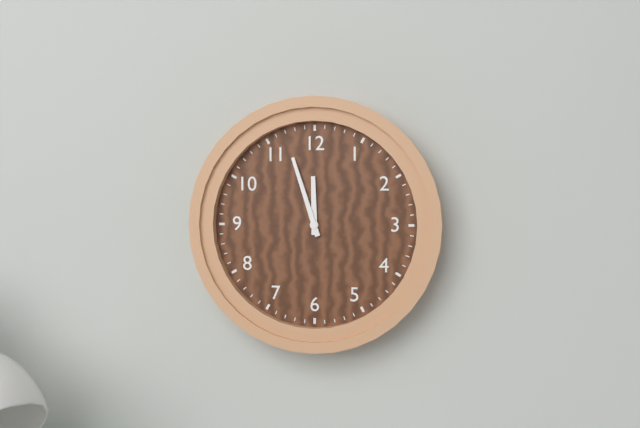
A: 11 h 57 min
